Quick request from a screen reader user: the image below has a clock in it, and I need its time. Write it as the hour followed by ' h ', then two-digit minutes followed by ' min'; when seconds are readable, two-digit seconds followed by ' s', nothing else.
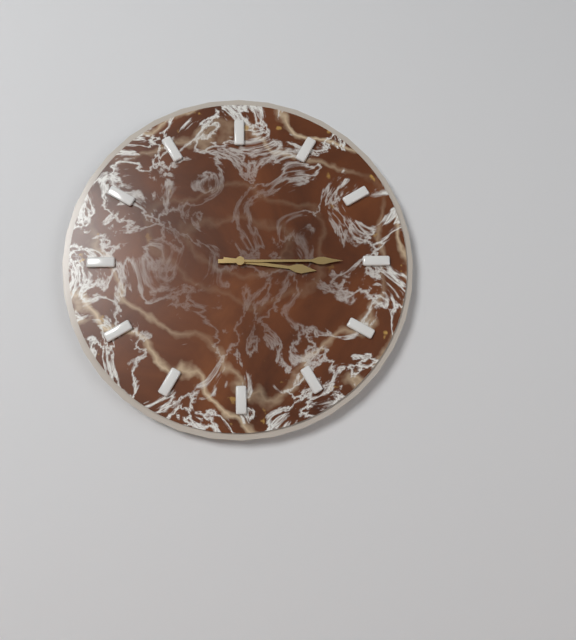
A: 3 h 15 min
